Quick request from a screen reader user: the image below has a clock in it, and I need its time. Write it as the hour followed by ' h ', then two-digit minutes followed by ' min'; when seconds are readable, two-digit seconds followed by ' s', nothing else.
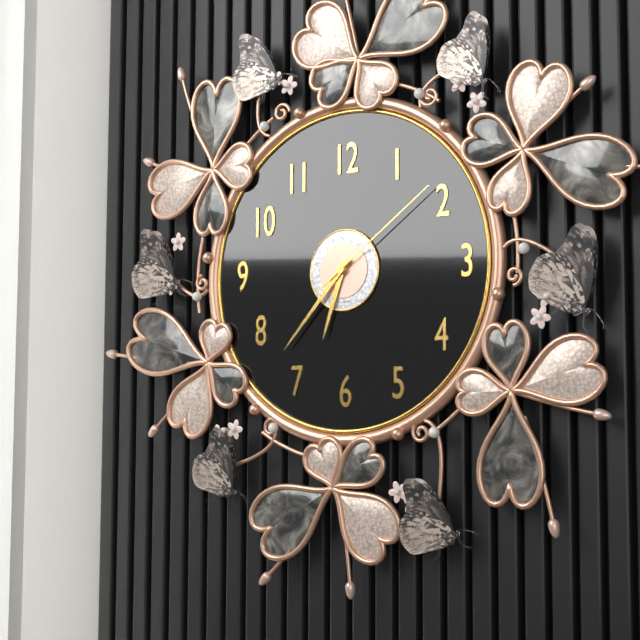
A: 6 h 37 min 09 s
